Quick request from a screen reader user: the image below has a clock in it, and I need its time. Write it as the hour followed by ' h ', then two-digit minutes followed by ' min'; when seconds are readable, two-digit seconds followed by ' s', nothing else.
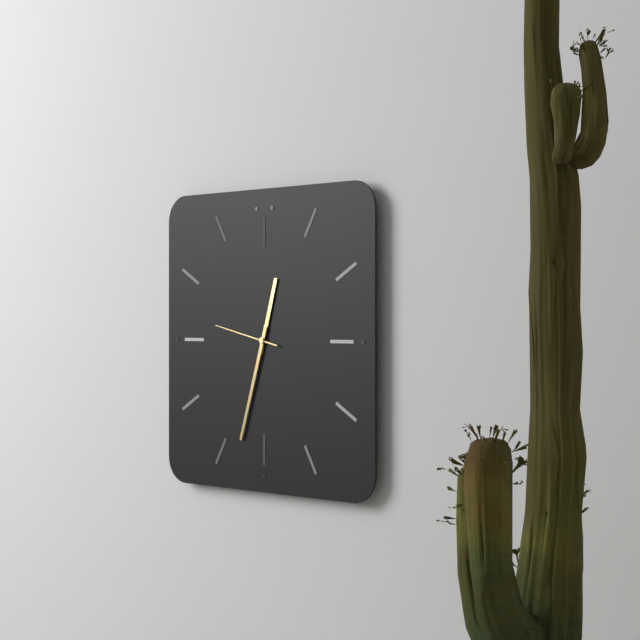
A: 12 h 33 min 47 s
